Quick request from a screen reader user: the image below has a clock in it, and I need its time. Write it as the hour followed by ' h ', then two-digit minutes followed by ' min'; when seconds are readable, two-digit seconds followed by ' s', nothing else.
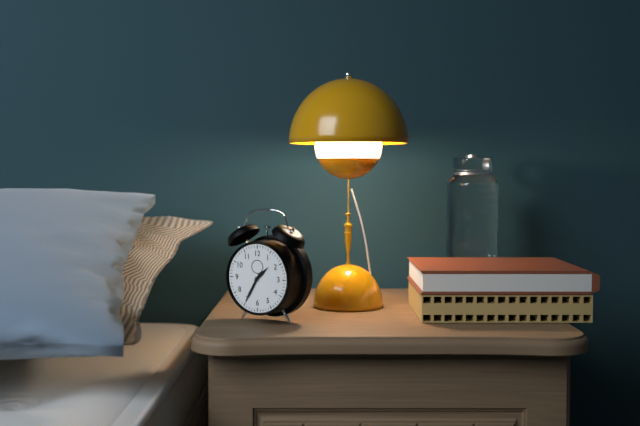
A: 1 h 35 min
